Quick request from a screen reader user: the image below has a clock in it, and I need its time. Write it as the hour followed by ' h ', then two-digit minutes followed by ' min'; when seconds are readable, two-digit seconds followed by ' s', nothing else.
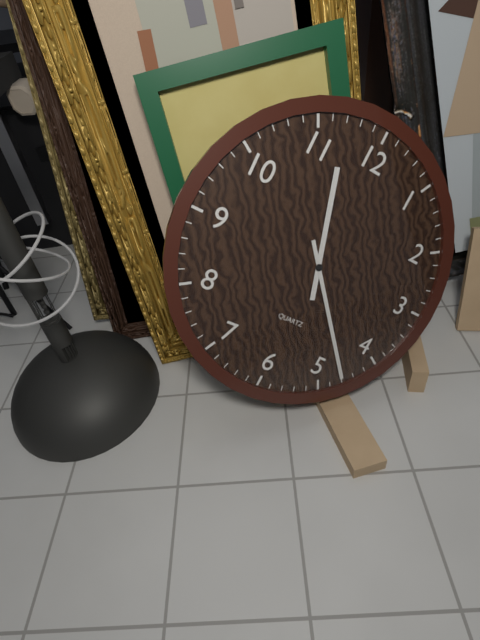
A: 11 h 23 min
